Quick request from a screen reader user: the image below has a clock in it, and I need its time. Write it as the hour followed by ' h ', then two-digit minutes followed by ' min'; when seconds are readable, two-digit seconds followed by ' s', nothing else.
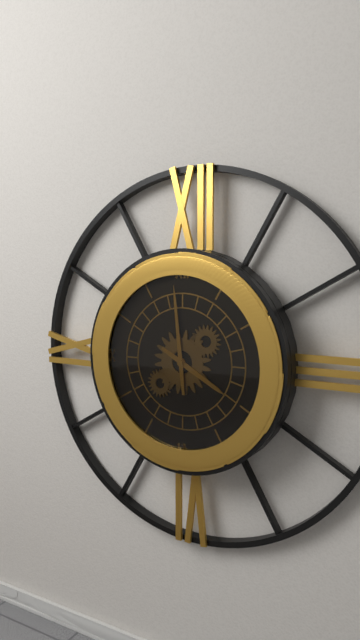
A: 3 h 59 min
